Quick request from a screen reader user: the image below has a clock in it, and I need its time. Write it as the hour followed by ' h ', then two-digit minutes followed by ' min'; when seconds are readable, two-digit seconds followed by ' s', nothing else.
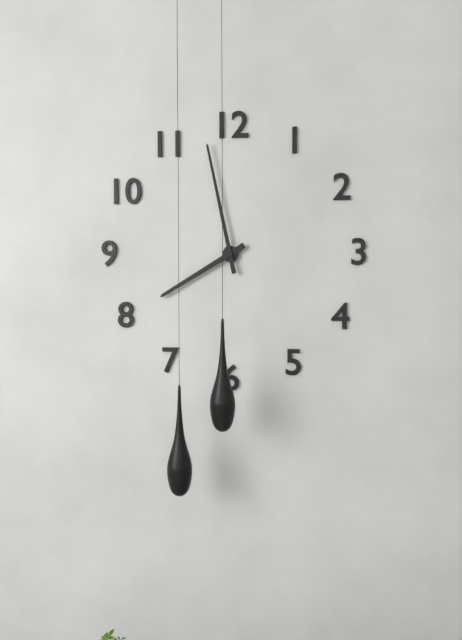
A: 7 h 58 min
